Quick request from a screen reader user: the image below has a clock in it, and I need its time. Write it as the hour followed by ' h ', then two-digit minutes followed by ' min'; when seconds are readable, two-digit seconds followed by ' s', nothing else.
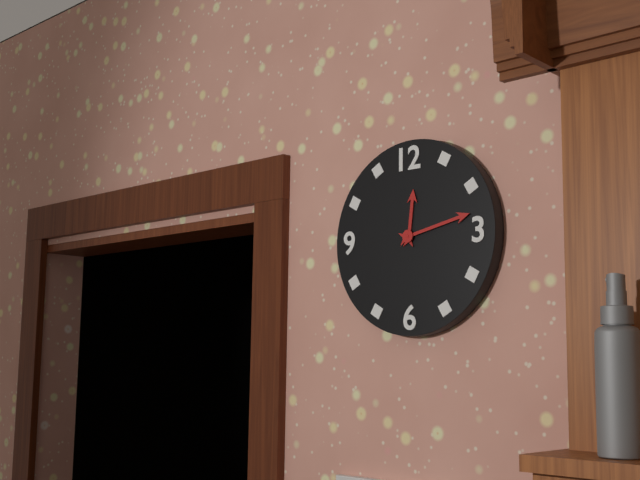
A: 12 h 13 min
